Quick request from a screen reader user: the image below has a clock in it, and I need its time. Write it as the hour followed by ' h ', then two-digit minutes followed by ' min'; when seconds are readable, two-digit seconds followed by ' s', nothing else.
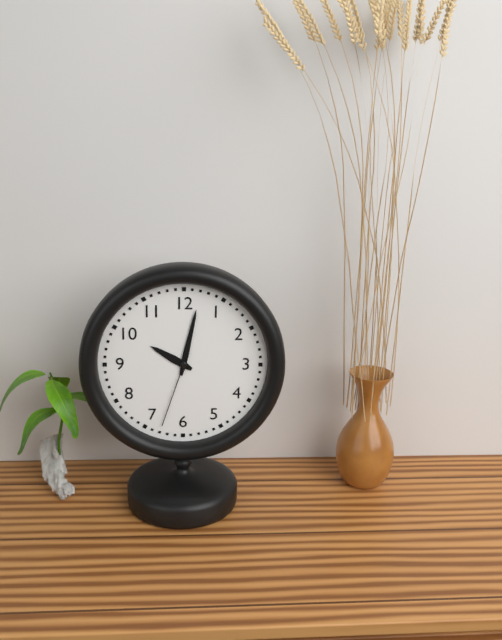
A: 10 h 02 min 33 s
